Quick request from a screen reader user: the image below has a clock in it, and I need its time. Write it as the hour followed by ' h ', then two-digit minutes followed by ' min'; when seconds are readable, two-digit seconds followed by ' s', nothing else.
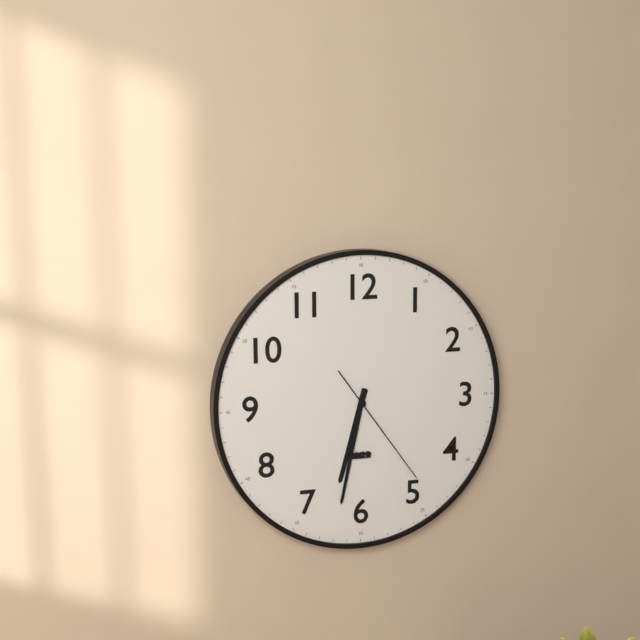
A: 6 h 32 min 24 s
